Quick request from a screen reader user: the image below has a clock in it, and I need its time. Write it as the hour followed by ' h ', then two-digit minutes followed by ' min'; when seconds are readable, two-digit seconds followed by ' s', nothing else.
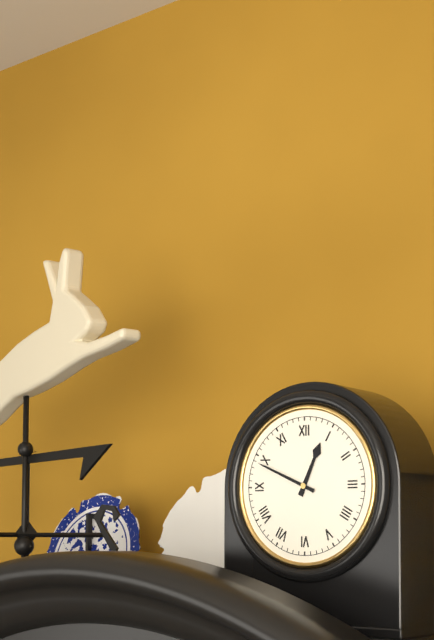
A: 12 h 49 min
